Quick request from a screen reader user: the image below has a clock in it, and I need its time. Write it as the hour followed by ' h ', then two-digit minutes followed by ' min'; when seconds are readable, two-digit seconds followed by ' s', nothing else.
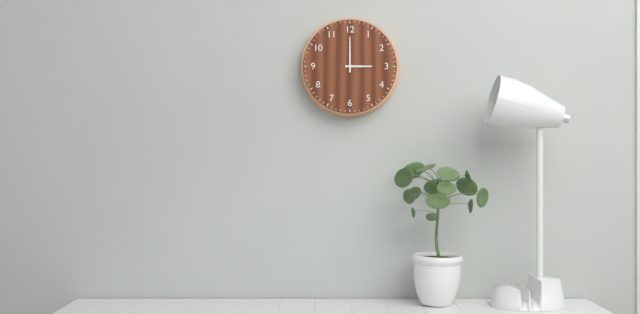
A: 3 h 00 min
